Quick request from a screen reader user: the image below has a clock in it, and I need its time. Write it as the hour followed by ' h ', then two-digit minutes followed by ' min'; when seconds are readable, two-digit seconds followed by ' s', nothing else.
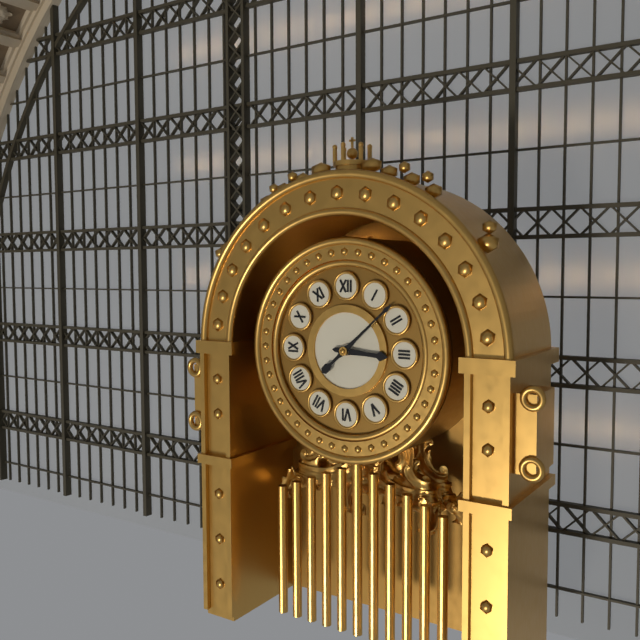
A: 3 h 08 min
